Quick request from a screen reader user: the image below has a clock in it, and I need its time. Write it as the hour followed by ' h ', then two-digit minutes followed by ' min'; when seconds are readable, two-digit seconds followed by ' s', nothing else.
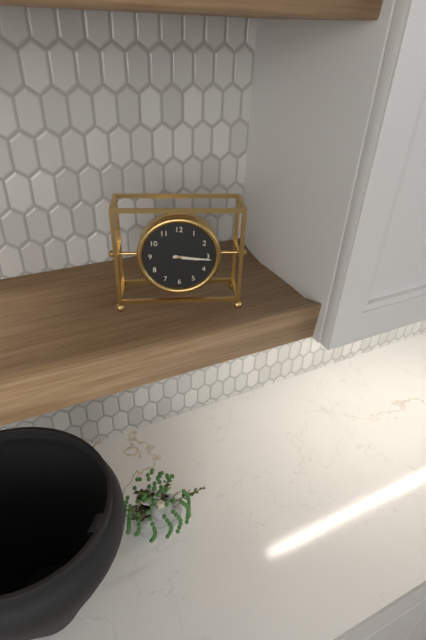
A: 3 h 16 min
